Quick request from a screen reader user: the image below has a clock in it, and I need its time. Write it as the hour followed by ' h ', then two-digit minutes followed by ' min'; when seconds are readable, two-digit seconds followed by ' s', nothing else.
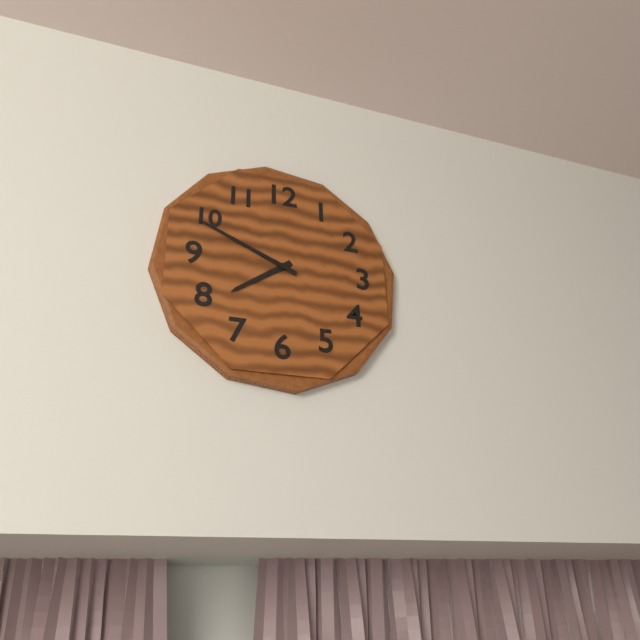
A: 7 h 49 min
